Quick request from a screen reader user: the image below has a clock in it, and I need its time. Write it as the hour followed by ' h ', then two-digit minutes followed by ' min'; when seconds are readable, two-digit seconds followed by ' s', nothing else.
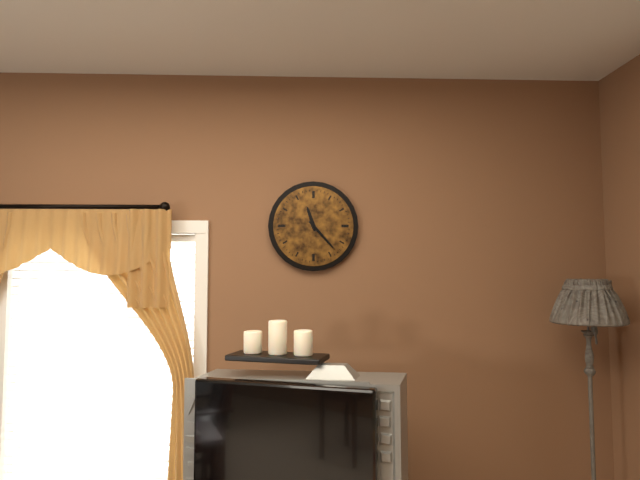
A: 11 h 23 min
